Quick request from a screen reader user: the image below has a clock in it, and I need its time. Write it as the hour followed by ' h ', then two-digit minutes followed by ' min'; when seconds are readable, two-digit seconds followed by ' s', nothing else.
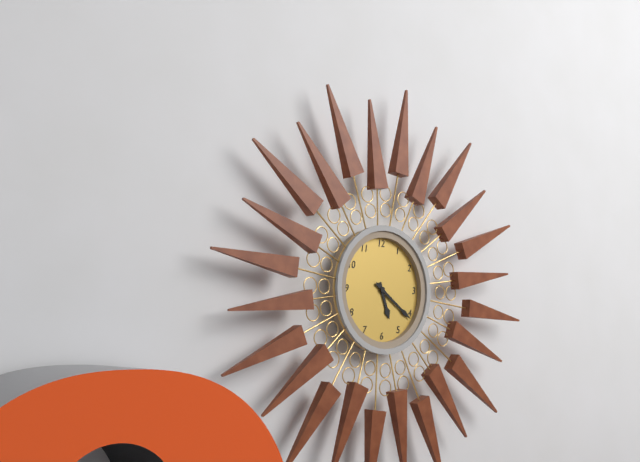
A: 5 h 21 min
